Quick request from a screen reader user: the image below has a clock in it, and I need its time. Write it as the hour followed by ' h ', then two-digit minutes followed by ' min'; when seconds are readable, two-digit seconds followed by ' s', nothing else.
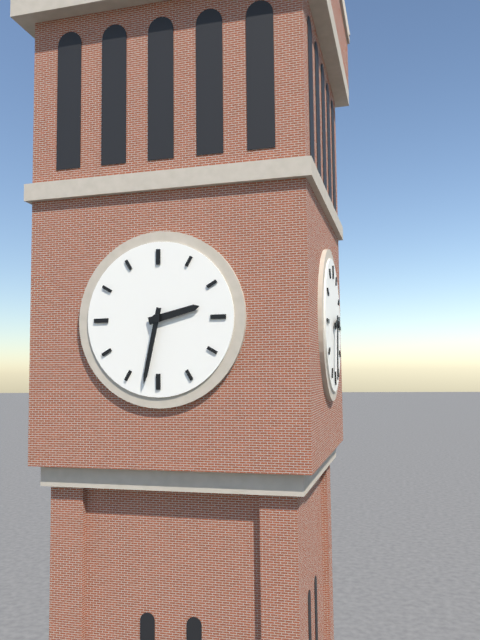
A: 2 h 32 min
